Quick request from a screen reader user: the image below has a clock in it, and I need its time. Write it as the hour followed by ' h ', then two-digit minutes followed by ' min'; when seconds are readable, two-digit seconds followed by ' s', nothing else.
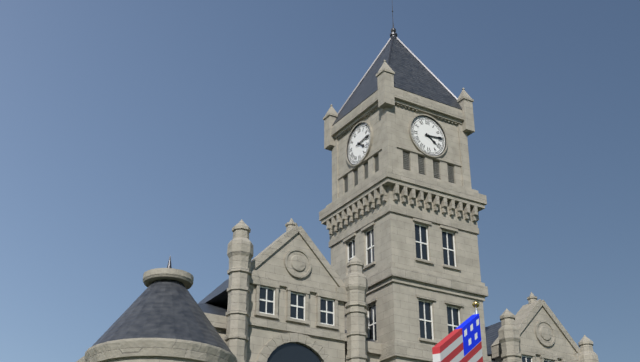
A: 4 h 14 min
